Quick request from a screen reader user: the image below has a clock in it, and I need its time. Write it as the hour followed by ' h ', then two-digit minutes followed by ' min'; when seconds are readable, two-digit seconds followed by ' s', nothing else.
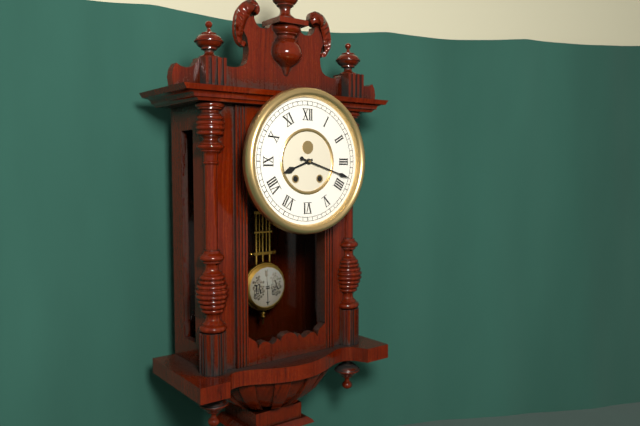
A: 8 h 18 min
